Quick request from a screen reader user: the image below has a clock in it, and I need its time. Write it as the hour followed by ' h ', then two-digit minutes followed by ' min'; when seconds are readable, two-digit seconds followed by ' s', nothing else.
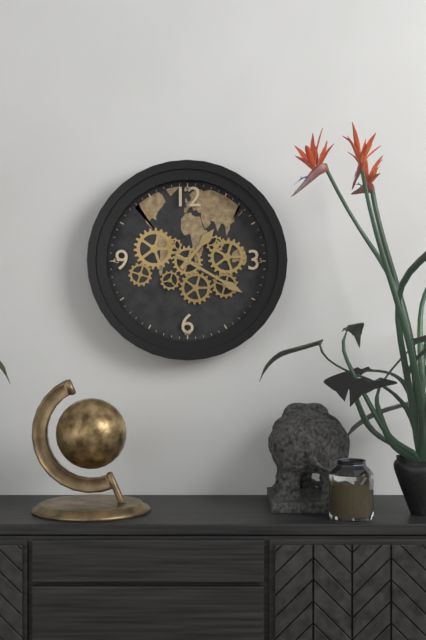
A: 1 h 20 min
